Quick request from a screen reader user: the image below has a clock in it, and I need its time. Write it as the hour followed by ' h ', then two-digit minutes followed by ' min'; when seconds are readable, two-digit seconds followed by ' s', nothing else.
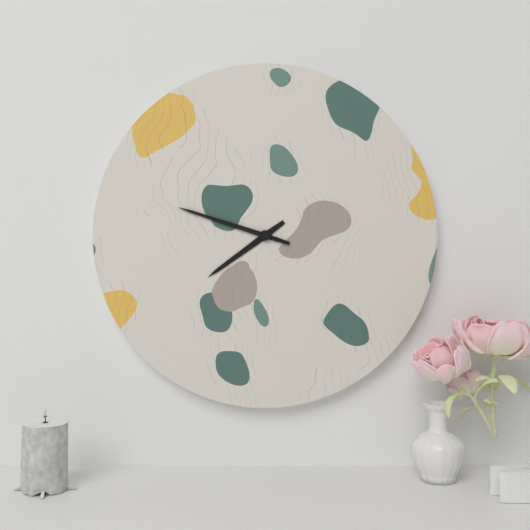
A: 7 h 48 min
